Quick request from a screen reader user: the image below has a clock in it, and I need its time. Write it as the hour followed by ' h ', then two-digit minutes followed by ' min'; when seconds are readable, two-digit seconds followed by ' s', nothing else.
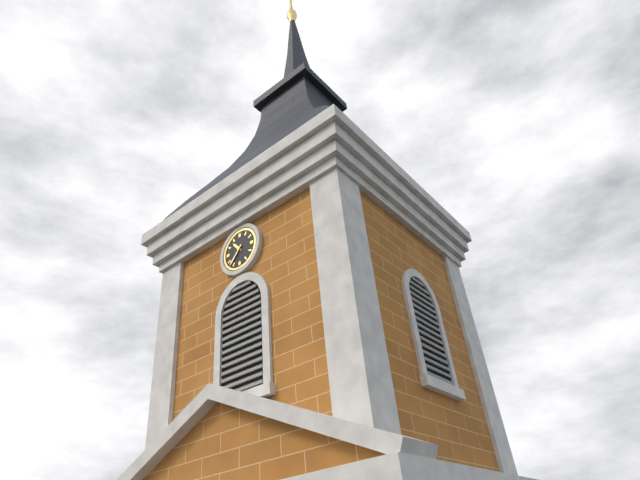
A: 10 h 37 min
